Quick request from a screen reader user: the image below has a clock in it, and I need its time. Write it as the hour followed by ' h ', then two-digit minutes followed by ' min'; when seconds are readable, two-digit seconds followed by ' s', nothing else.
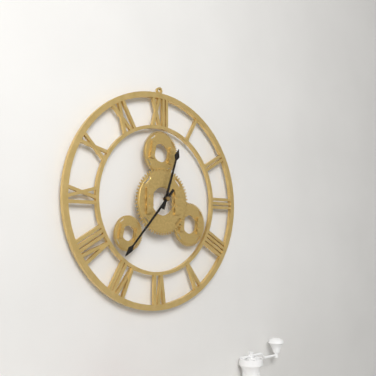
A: 12 h 37 min
